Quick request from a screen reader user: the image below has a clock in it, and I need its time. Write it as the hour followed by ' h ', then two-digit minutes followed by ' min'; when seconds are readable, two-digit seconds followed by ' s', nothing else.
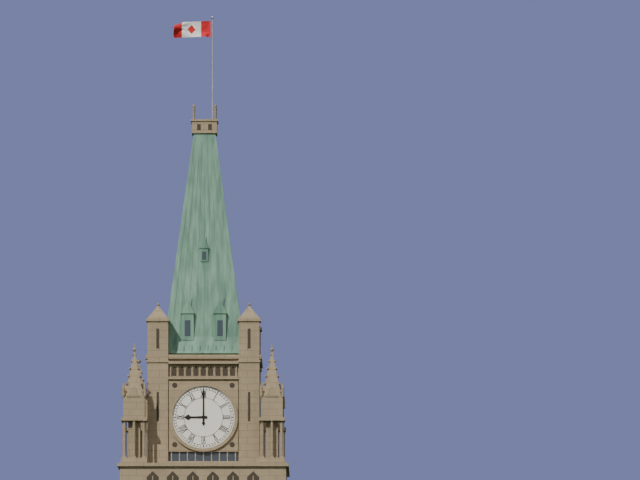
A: 9 h 00 min
